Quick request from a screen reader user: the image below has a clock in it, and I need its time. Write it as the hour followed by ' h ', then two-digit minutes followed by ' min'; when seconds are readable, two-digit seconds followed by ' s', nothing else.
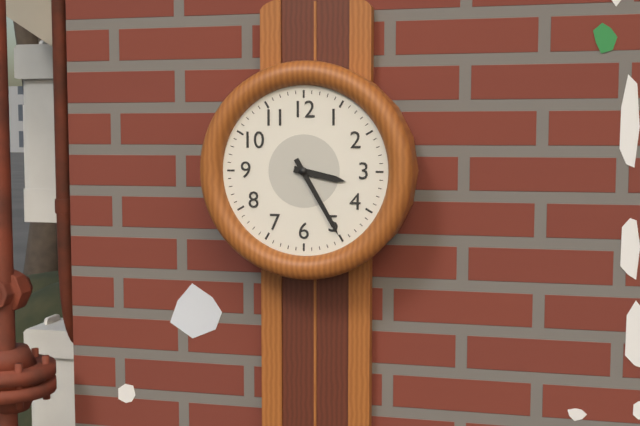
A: 3 h 25 min
